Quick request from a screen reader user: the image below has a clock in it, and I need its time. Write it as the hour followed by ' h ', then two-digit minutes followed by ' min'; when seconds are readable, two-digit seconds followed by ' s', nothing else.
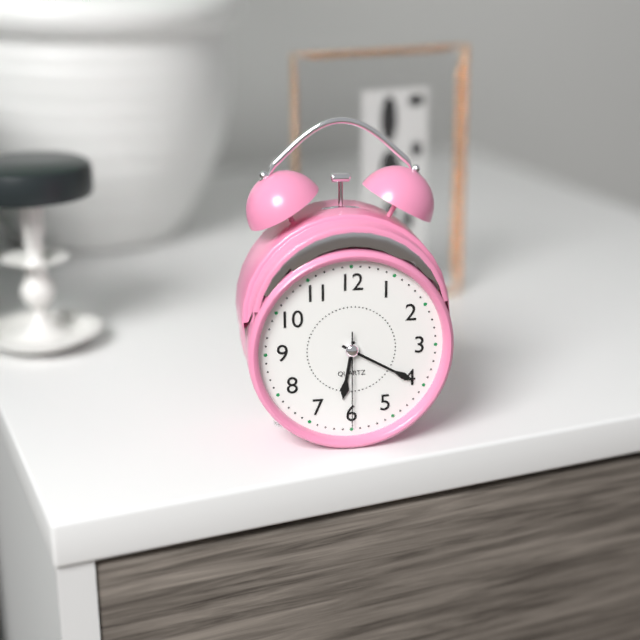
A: 6 h 20 min 30 s
